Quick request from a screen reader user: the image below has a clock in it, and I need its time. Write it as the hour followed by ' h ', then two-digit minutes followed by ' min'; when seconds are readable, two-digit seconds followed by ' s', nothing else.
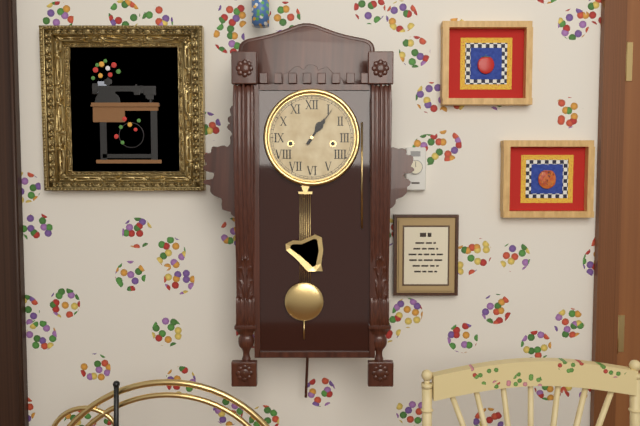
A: 1 h 06 min
